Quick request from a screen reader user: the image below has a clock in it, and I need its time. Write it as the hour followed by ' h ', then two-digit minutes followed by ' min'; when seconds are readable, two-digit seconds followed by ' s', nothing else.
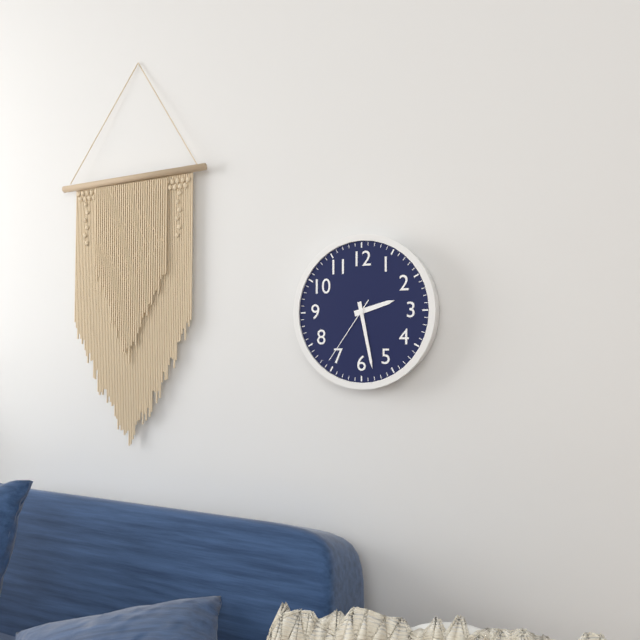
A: 2 h 28 min 36 s
